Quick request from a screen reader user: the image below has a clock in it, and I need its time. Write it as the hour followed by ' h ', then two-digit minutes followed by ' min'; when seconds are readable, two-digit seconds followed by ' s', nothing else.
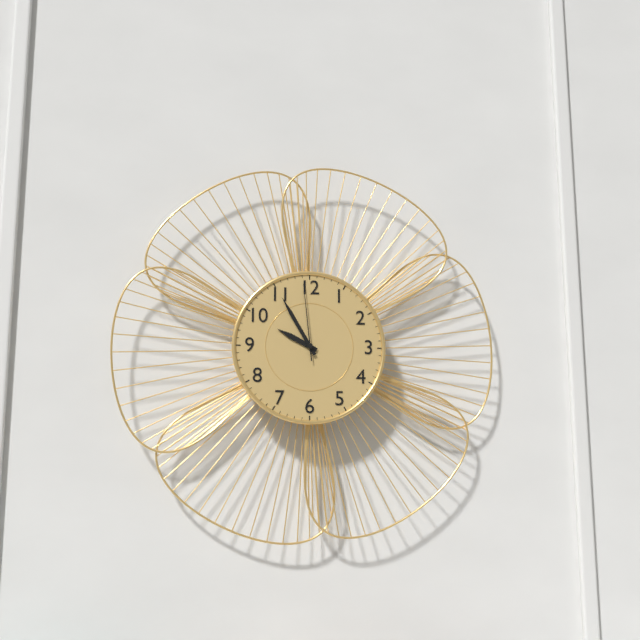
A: 9 h 55 min 59 s
